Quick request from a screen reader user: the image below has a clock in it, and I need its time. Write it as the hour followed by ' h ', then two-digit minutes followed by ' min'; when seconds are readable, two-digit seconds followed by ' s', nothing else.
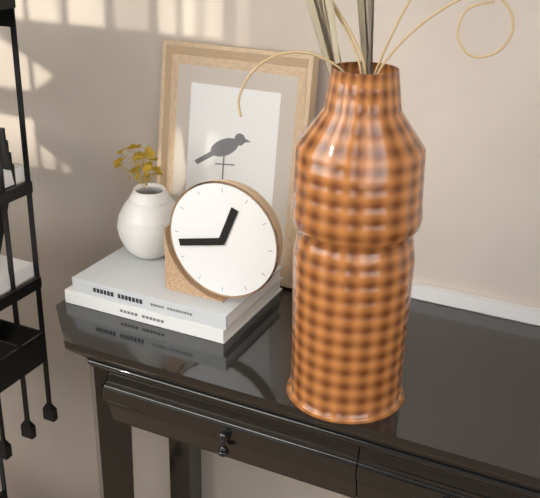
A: 12 h 43 min
